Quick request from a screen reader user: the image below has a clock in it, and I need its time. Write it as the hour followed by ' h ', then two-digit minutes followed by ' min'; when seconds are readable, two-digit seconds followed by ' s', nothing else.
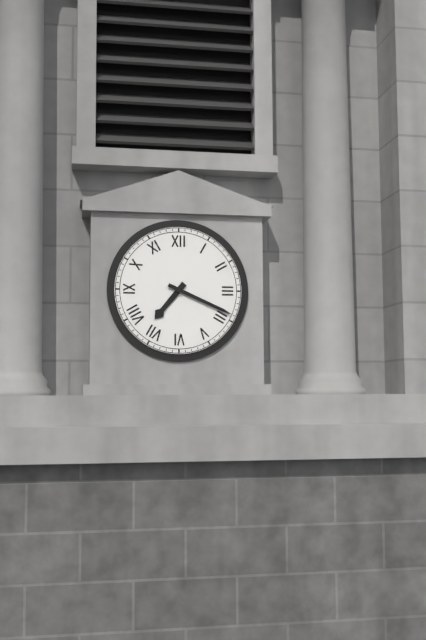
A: 7 h 19 min
